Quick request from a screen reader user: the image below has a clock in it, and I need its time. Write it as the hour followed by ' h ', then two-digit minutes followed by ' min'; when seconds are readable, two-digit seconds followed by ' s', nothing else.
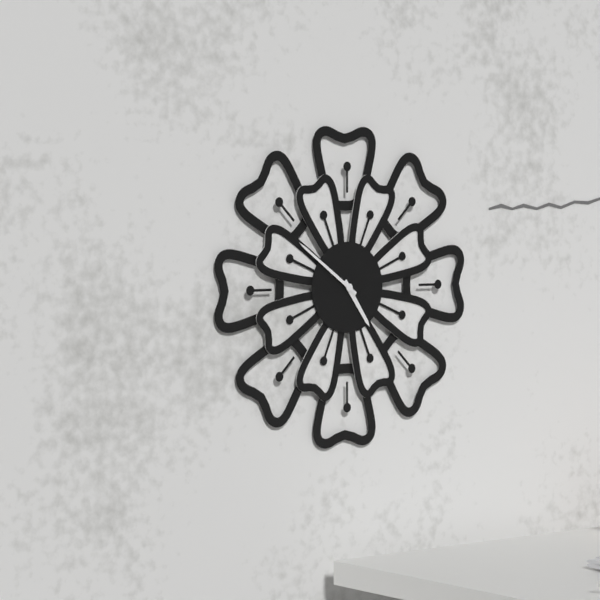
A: 4 h 51 min
